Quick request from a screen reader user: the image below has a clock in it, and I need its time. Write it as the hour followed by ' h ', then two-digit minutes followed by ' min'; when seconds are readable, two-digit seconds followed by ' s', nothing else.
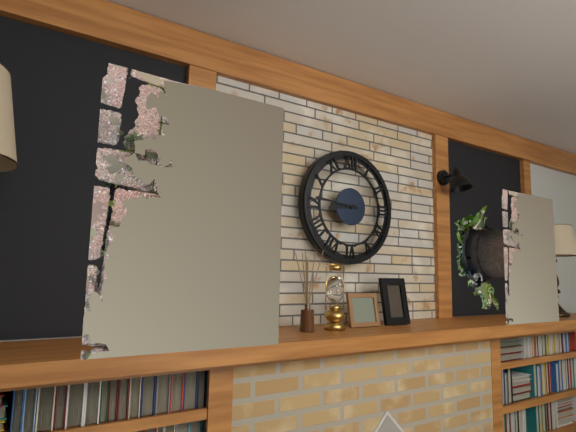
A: 8 h 46 min
